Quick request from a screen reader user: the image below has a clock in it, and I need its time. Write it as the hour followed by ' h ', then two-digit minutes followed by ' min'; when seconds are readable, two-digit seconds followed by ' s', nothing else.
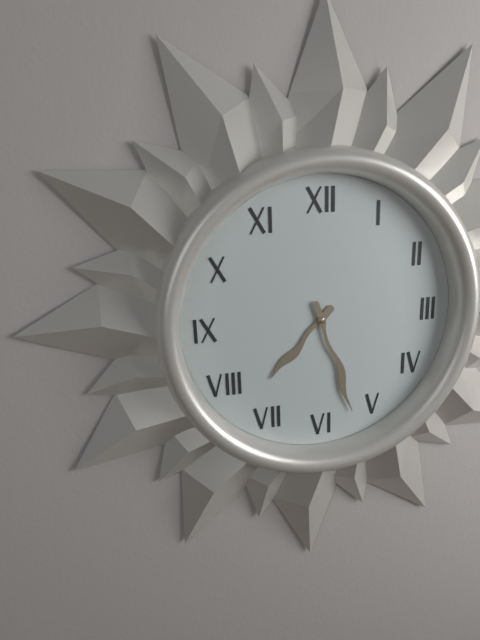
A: 7 h 27 min
